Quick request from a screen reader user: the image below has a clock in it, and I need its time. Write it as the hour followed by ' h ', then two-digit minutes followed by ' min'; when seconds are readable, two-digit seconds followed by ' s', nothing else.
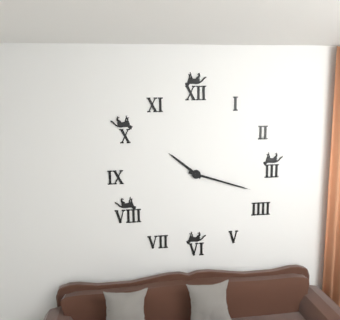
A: 10 h 18 min
